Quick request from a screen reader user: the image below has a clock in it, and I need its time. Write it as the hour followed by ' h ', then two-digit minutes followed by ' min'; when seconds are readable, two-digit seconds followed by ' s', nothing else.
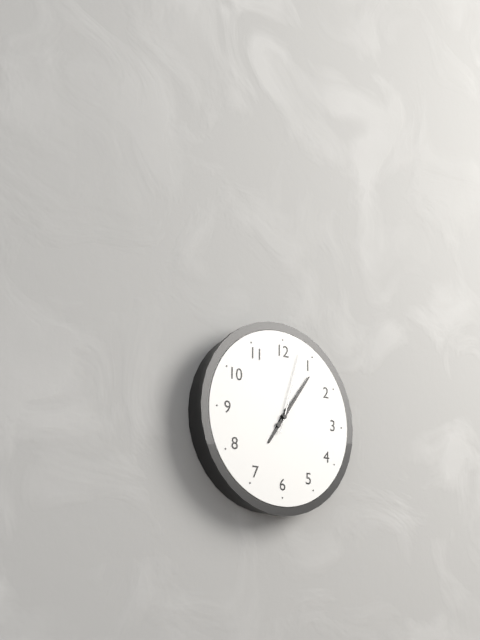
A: 7 h 06 min 03 s
